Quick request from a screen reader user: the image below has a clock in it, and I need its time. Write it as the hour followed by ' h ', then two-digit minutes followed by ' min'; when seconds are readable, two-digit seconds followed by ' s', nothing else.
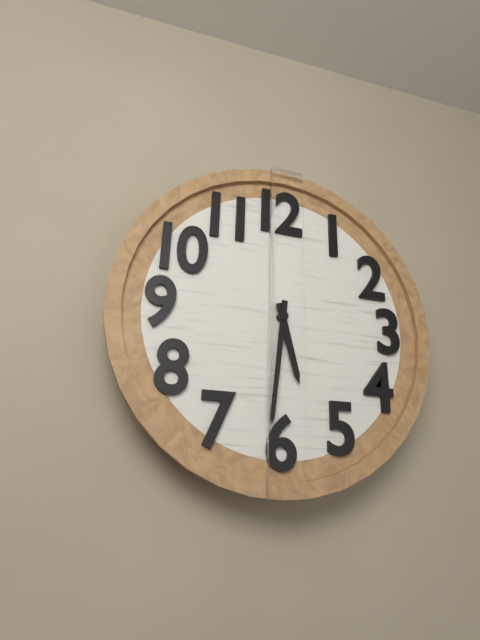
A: 5 h 31 min
